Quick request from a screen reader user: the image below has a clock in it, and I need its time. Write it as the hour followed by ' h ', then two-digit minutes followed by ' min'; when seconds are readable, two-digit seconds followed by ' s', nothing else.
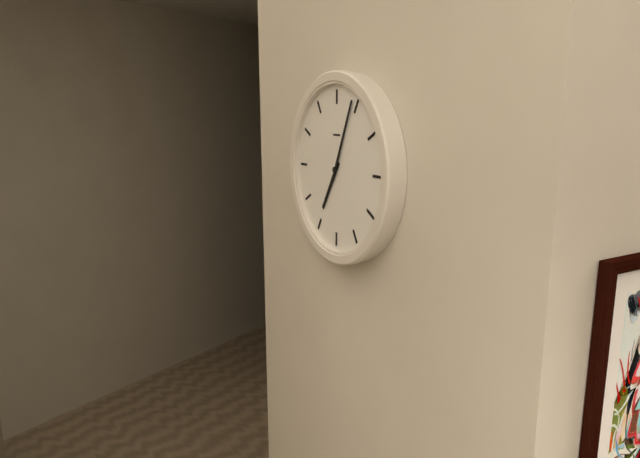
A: 7 h 04 min
